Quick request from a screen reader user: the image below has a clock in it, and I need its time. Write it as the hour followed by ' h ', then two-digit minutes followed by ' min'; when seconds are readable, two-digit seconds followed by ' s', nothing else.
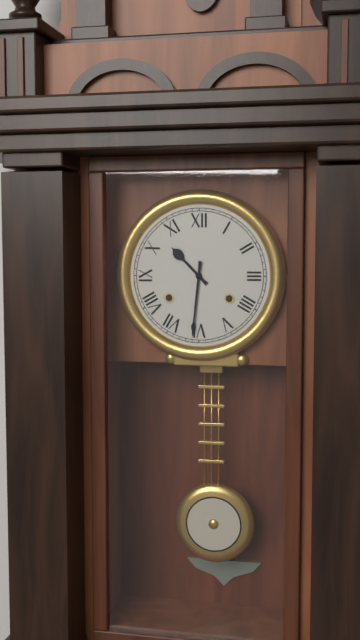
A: 10 h 31 min
